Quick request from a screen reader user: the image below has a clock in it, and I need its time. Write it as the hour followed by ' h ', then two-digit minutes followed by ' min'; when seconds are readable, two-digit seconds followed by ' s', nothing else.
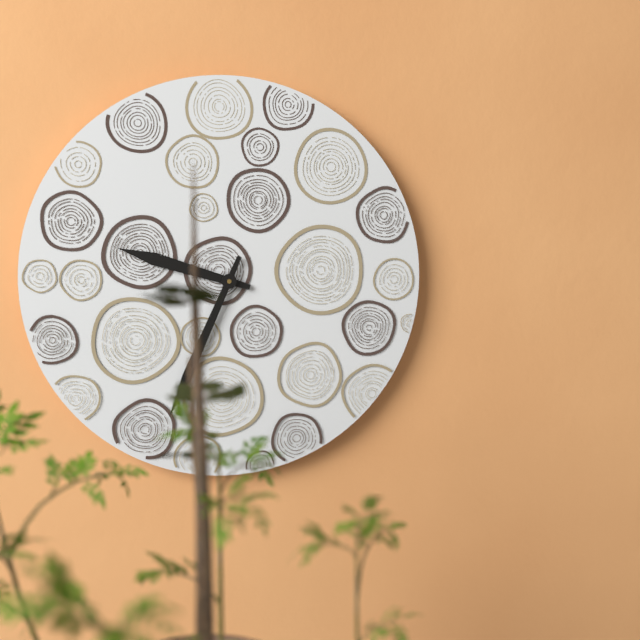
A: 9 h 34 min
